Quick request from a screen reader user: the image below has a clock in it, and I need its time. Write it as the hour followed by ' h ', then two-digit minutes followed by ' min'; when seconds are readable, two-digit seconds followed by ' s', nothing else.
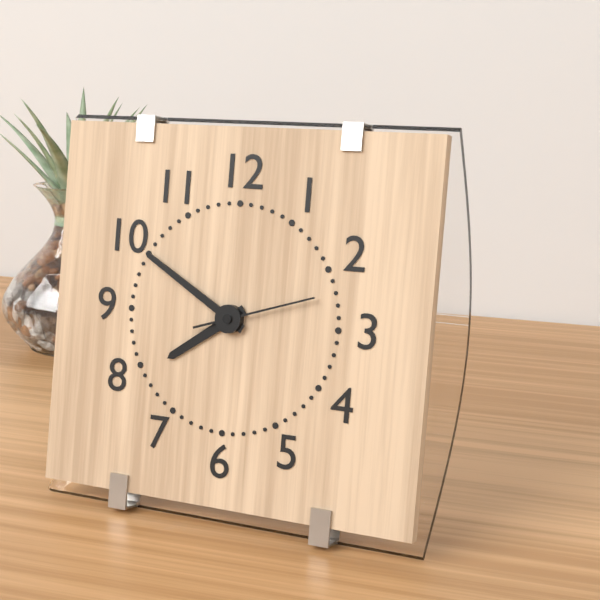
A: 7 h 50 min 12 s
